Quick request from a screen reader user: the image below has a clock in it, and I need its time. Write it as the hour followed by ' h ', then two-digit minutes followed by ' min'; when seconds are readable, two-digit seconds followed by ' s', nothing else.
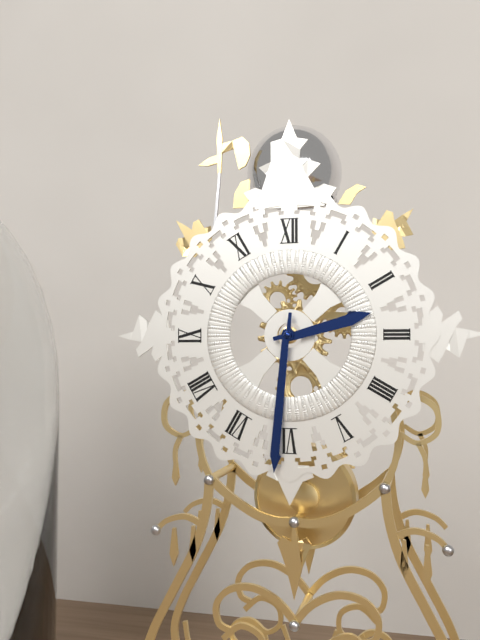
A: 2 h 31 min
